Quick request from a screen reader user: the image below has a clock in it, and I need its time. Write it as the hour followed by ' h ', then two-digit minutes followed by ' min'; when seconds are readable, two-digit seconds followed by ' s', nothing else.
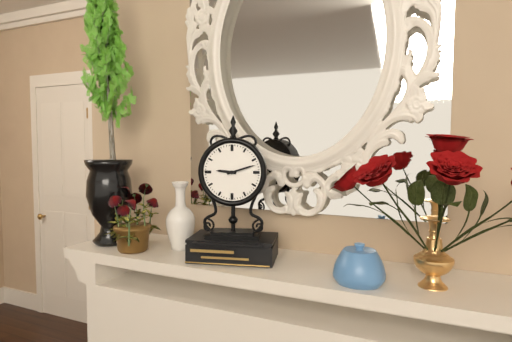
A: 9 h 12 min
